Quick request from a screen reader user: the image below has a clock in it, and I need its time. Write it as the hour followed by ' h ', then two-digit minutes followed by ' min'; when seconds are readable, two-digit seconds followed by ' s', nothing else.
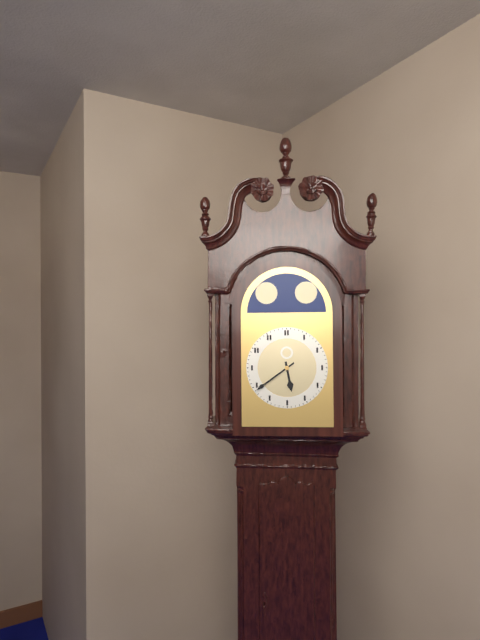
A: 5 h 39 min
